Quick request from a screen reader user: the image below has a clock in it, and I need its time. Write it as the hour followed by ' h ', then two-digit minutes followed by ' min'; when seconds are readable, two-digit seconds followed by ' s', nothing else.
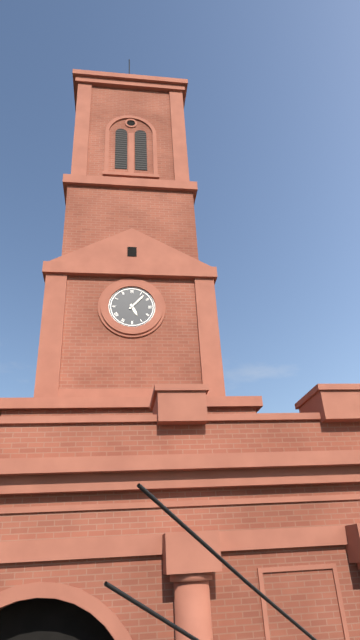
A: 5 h 07 min
